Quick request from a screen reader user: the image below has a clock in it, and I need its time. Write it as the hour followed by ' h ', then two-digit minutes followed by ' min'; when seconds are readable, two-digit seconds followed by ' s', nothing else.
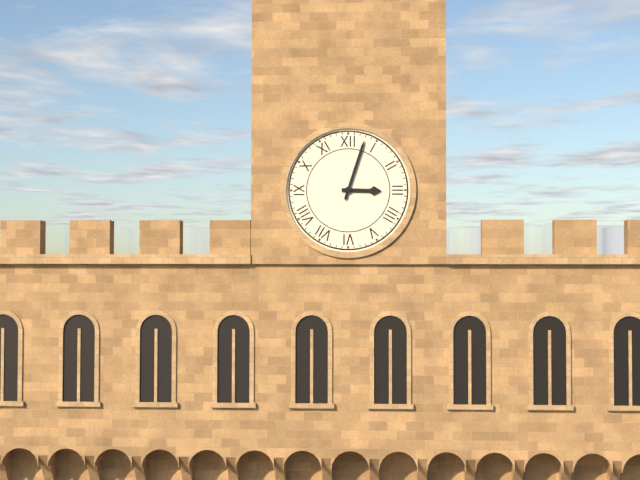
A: 3 h 03 min
